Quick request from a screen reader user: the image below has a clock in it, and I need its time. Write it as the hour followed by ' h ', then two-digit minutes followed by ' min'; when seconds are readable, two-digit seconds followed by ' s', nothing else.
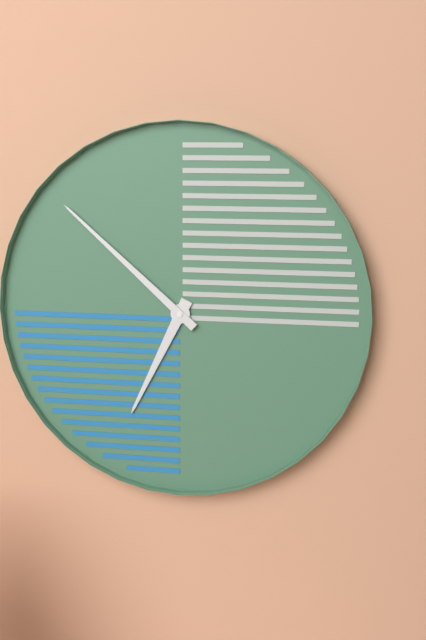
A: 6 h 52 min
